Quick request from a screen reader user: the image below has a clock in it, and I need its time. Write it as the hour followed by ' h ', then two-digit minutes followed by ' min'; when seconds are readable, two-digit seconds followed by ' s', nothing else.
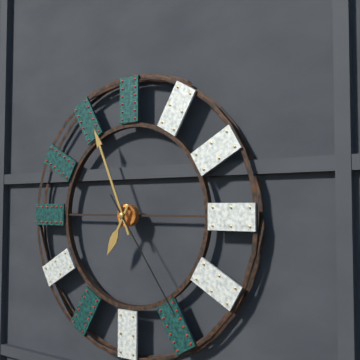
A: 6 h 56 min 24 s
